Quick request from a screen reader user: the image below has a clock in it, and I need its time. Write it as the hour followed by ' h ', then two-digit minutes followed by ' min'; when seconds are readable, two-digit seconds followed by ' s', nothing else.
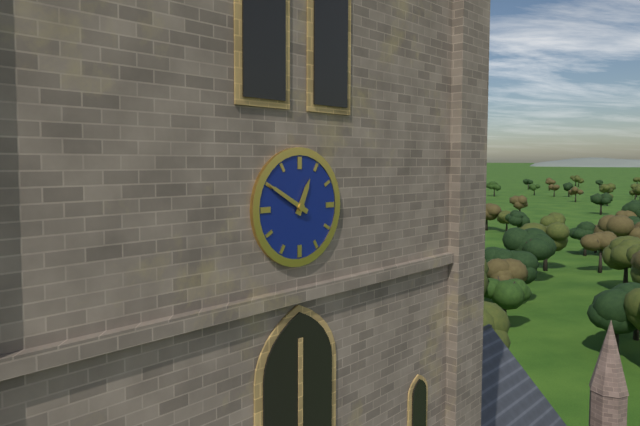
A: 12 h 50 min
